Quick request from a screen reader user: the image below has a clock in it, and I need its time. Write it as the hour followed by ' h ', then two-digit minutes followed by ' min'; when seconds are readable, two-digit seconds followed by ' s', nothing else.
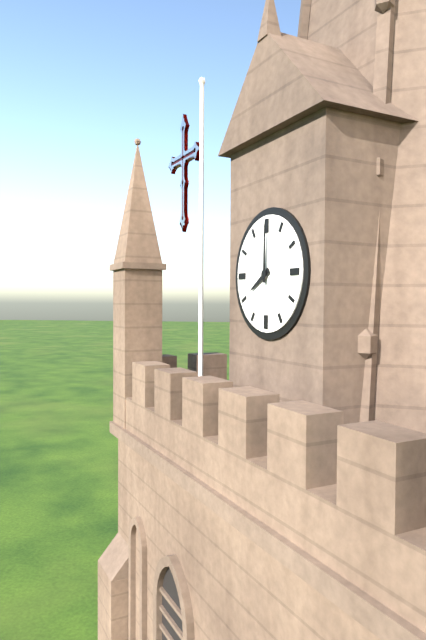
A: 8 h 00 min
